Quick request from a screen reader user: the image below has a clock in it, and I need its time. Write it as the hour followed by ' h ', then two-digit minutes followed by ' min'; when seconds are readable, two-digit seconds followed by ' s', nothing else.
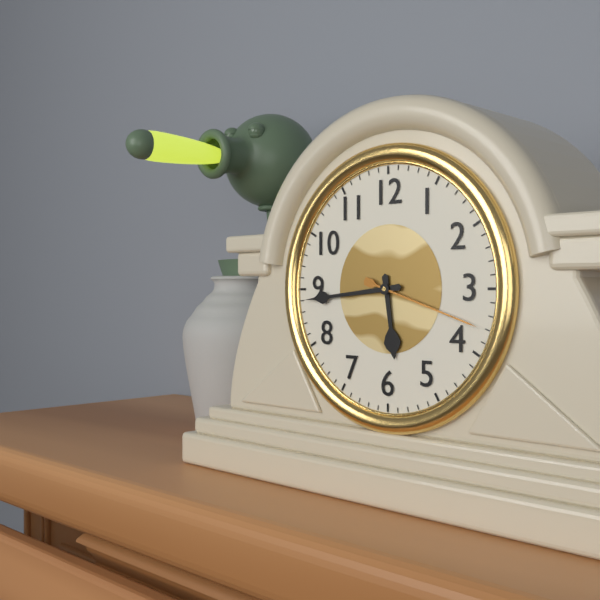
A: 5 h 44 min 18 s
